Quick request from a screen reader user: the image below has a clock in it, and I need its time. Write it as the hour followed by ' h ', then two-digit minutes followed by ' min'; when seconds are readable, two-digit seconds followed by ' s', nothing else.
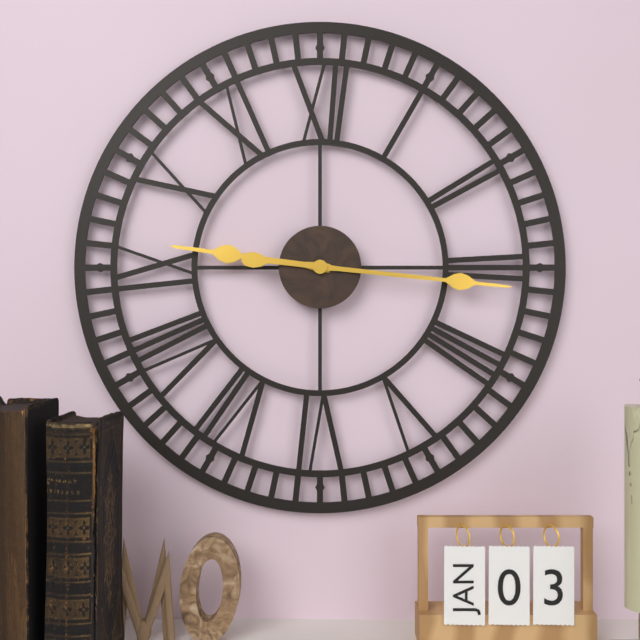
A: 9 h 16 min
